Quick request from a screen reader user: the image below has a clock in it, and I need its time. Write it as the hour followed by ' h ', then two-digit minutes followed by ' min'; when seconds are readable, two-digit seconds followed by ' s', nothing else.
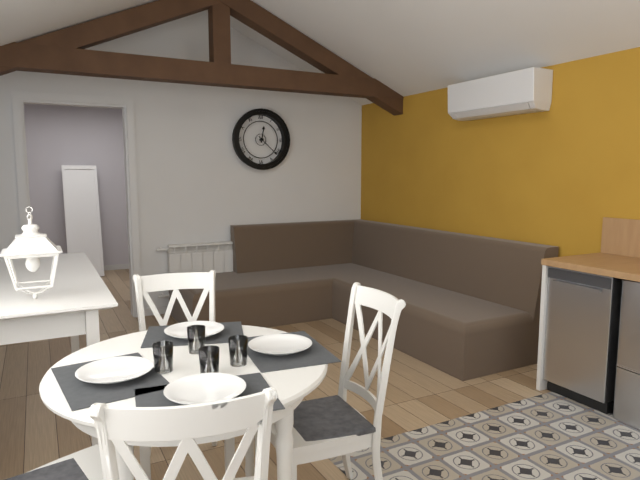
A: 12 h 22 min
